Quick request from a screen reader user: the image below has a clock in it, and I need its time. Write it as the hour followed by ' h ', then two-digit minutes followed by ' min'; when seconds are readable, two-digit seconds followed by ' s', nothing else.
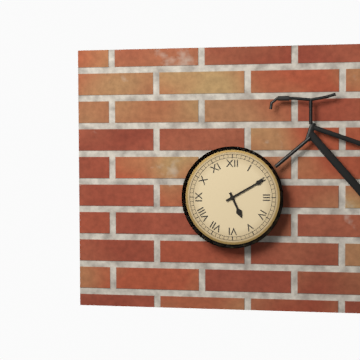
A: 5 h 10 min
